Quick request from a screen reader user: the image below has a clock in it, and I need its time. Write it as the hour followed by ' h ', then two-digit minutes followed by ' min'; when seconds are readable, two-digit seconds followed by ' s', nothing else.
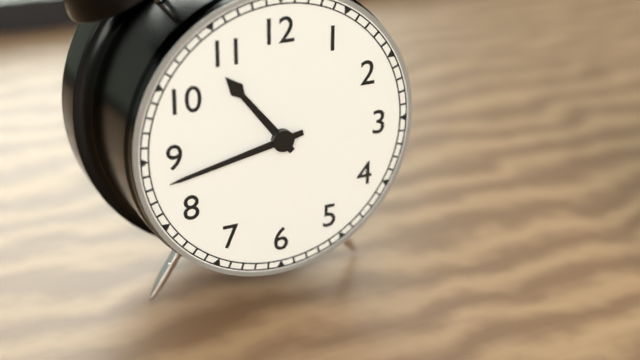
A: 10 h 43 min
